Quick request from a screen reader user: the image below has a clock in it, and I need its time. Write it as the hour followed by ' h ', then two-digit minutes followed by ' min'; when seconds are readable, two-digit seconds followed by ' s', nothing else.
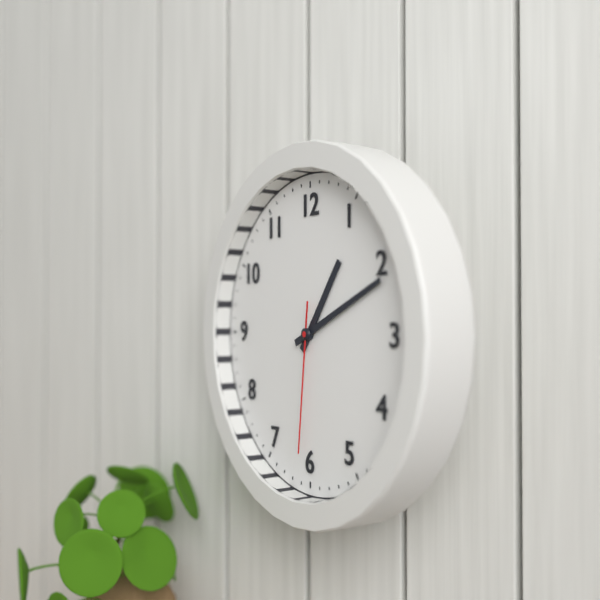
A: 1 h 11 min 31 s
